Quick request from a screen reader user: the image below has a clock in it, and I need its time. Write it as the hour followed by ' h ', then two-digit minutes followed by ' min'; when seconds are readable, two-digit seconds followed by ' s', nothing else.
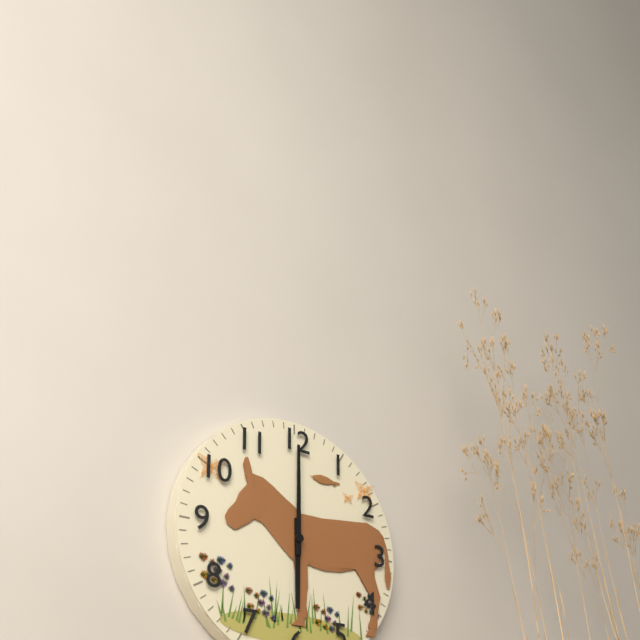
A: 6 h 00 min
